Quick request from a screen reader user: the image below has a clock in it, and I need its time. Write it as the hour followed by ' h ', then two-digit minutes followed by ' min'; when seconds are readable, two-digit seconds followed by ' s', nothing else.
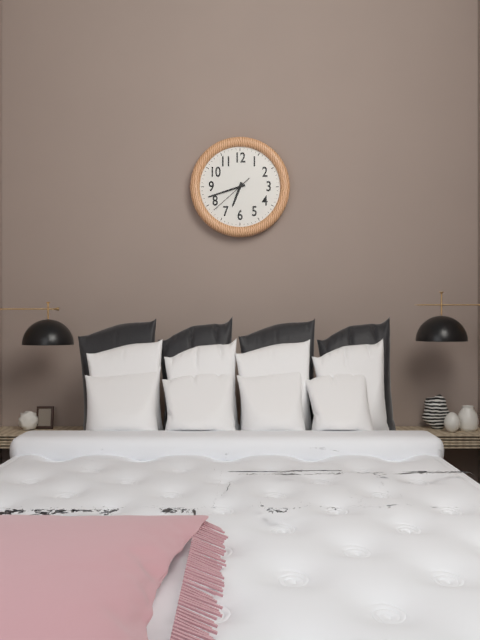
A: 6 h 42 min
